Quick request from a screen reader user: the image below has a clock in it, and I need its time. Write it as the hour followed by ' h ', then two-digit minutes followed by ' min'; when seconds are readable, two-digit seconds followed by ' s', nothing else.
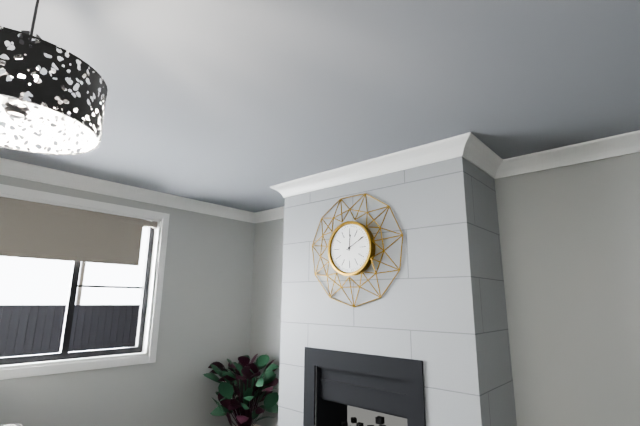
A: 12 h 10 min
